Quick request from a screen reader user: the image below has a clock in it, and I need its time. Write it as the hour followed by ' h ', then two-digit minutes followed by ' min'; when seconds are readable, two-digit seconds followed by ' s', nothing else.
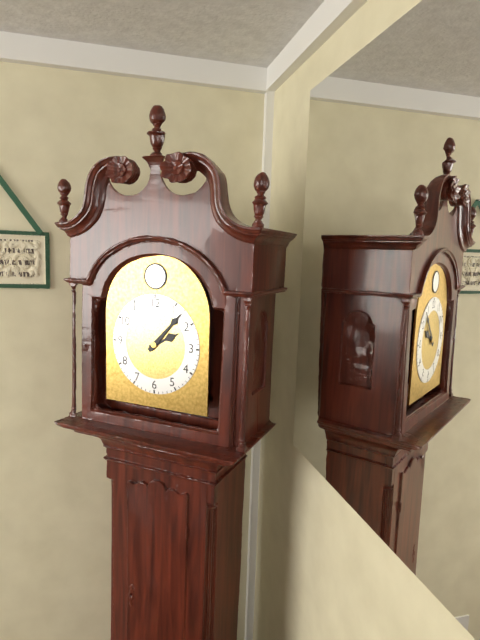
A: 2 h 07 min
